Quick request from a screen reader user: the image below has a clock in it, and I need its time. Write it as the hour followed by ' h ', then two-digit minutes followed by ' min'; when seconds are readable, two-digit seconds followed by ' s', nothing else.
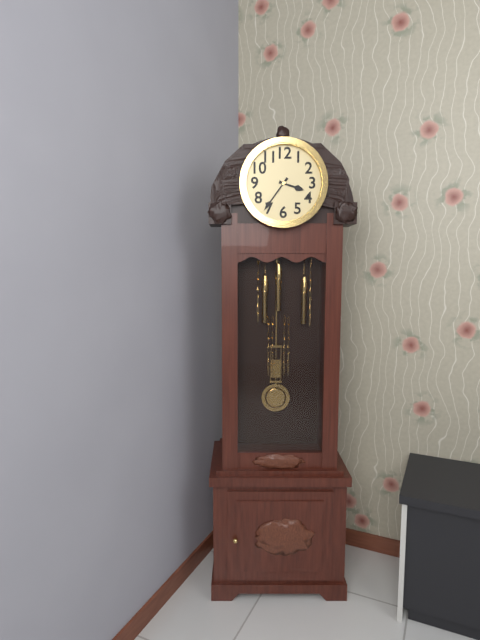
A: 3 h 36 min
